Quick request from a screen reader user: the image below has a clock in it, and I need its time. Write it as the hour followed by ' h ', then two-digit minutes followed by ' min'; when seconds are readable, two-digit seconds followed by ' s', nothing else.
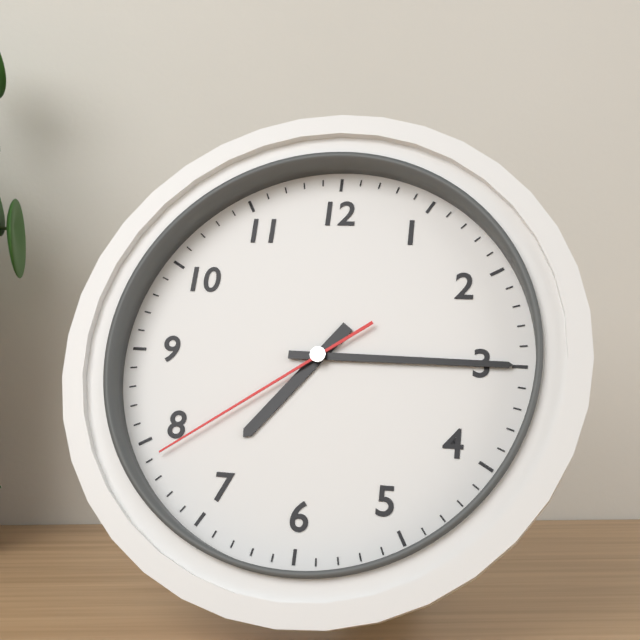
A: 7 h 15 min 39 s
